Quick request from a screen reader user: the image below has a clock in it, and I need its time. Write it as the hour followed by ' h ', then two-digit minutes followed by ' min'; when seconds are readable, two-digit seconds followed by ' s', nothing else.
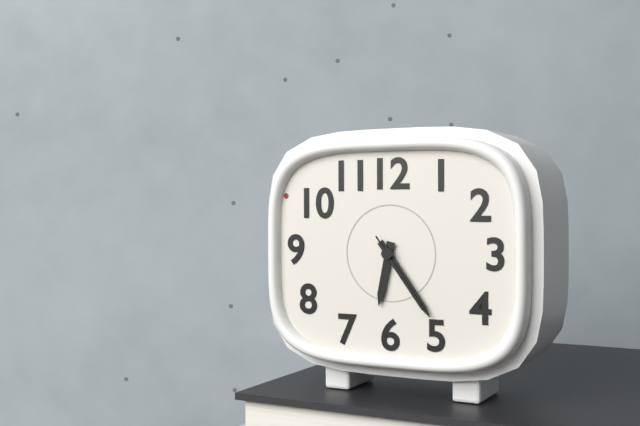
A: 6 h 24 min 24 s
